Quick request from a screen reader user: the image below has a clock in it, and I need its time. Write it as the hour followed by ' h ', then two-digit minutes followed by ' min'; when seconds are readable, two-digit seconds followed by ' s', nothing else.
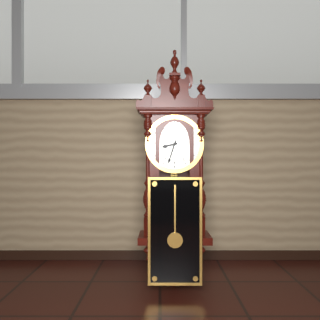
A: 8 h 33 min
